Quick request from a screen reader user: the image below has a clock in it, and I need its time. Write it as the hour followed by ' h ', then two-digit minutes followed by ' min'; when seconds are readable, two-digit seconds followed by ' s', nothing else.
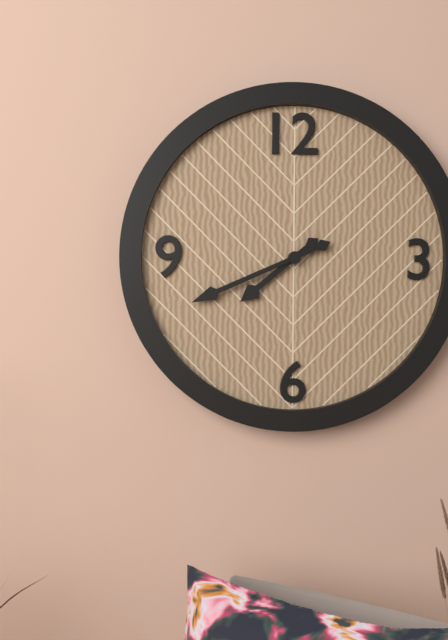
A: 7 h 41 min
